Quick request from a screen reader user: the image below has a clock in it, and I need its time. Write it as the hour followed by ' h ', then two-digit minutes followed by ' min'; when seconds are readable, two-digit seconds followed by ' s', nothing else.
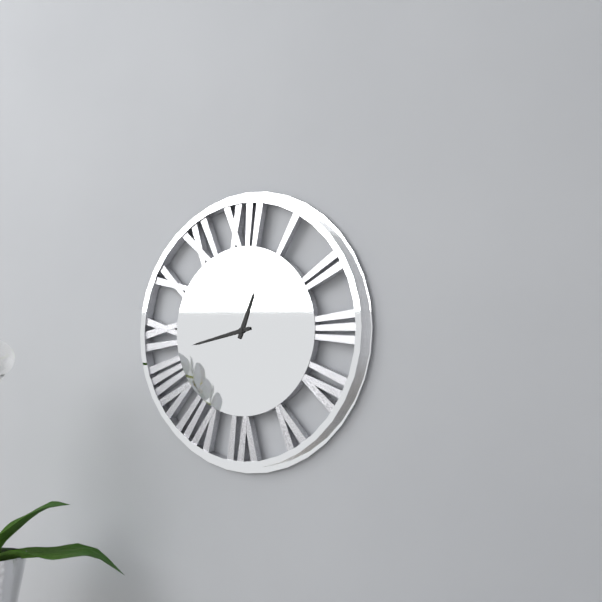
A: 12 h 43 min
